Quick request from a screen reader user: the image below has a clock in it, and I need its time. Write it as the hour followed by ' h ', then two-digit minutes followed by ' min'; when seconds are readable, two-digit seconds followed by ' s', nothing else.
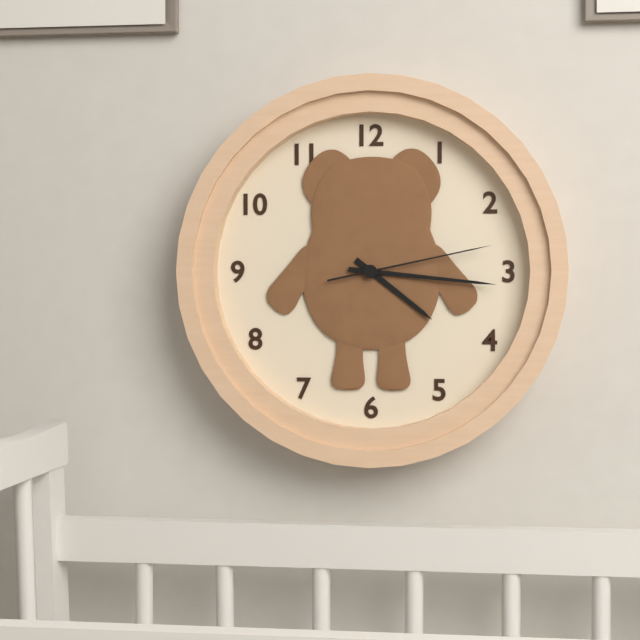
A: 4 h 16 min 13 s
